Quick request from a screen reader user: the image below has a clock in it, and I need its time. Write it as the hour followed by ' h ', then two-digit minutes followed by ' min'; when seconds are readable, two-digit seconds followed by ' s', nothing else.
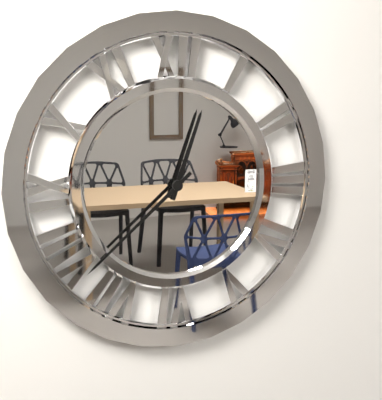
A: 12 h 38 min
